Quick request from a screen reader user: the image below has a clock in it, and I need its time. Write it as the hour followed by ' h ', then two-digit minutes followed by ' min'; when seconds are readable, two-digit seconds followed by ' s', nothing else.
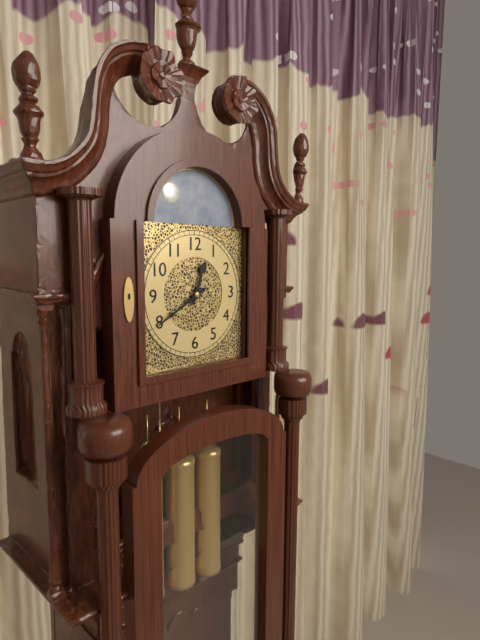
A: 12 h 40 min
